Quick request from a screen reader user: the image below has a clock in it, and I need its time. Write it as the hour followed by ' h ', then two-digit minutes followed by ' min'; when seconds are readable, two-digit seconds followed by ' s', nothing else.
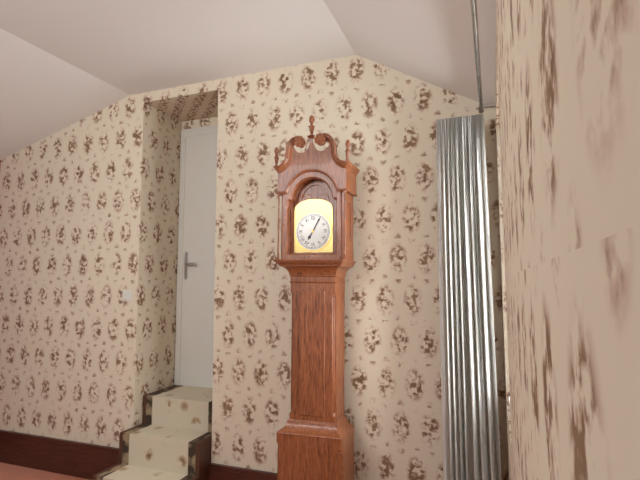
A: 7 h 05 min
